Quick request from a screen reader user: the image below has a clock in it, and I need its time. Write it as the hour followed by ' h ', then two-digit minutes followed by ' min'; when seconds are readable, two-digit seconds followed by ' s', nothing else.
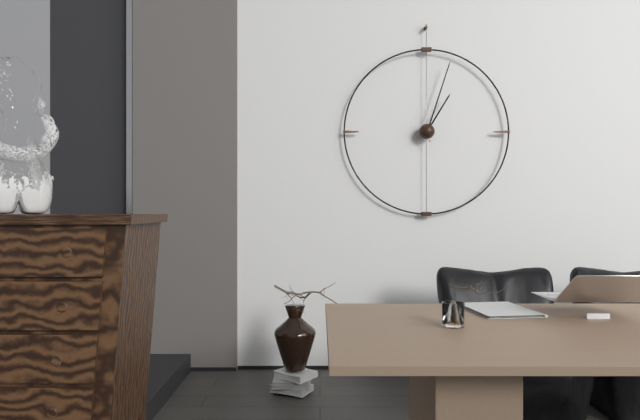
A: 1 h 03 min
